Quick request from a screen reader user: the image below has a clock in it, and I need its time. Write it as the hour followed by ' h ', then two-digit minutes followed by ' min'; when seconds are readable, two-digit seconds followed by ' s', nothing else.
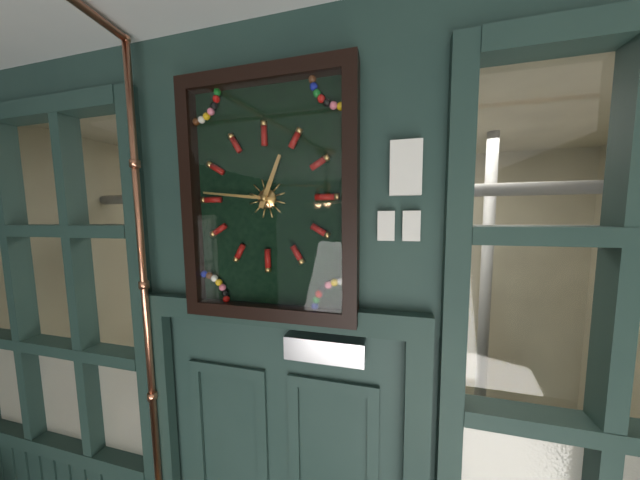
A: 12 h 46 min
